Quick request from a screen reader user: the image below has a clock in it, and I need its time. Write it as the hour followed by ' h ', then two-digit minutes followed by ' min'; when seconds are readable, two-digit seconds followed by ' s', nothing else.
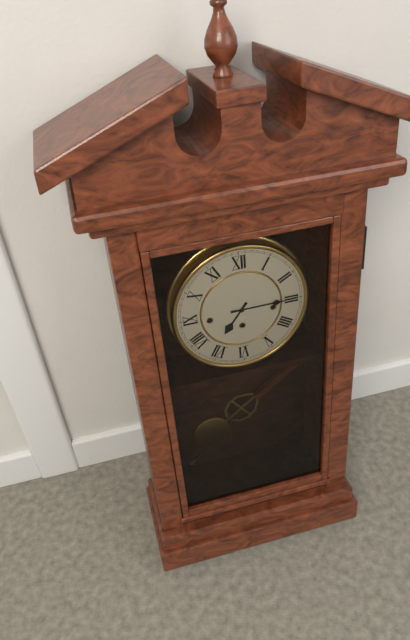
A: 7 h 15 min
